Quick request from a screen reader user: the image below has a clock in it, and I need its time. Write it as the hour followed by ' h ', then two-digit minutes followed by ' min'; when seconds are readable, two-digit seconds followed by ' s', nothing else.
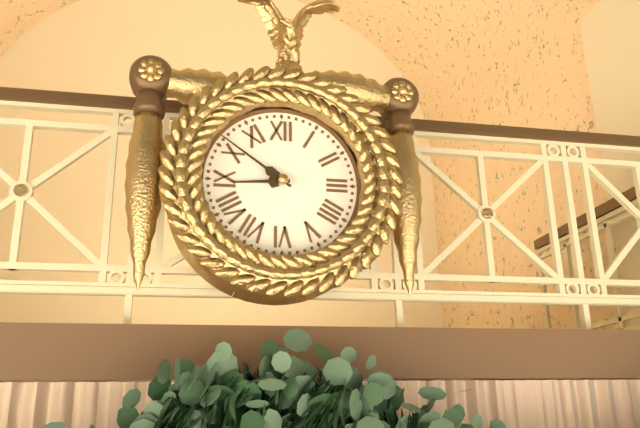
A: 8 h 51 min
